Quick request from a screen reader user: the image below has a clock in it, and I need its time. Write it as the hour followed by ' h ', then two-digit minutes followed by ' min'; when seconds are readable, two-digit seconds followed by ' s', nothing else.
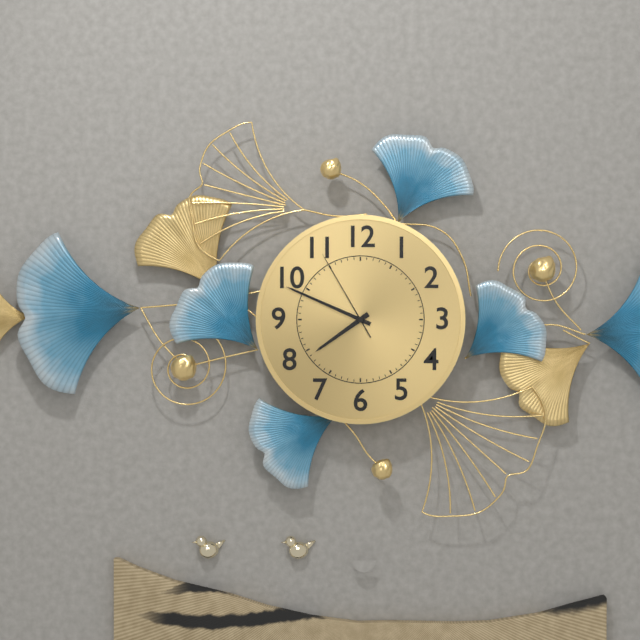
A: 7 h 49 min 55 s
